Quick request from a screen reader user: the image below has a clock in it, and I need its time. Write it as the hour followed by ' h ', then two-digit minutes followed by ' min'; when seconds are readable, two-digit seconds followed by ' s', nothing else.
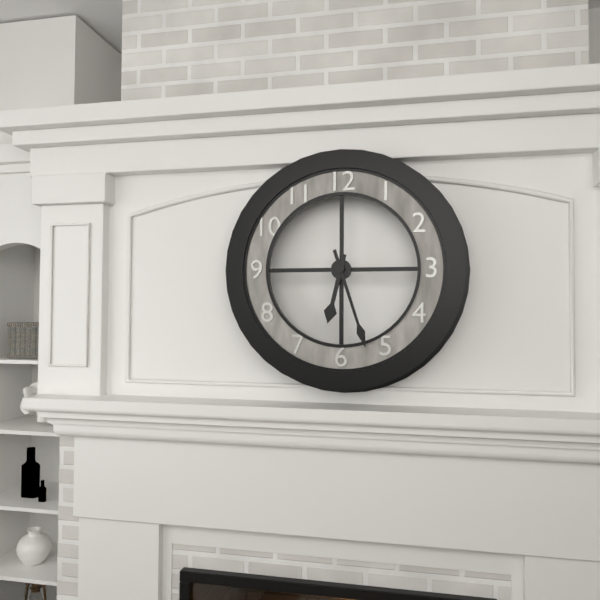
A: 6 h 27 min
